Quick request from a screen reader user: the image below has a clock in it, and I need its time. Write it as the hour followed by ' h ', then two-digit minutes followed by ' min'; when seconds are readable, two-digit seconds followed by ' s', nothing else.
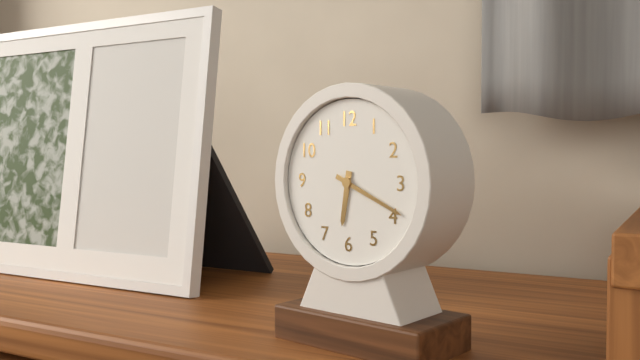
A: 6 h 19 min
